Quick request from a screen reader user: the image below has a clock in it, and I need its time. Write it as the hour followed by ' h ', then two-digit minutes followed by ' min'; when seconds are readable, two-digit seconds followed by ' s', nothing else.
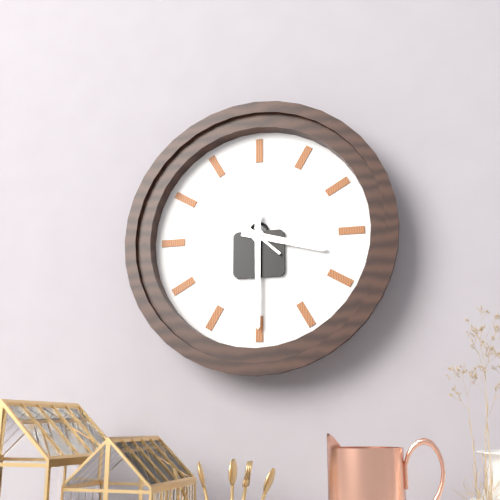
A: 3 h 30 min 52 s
